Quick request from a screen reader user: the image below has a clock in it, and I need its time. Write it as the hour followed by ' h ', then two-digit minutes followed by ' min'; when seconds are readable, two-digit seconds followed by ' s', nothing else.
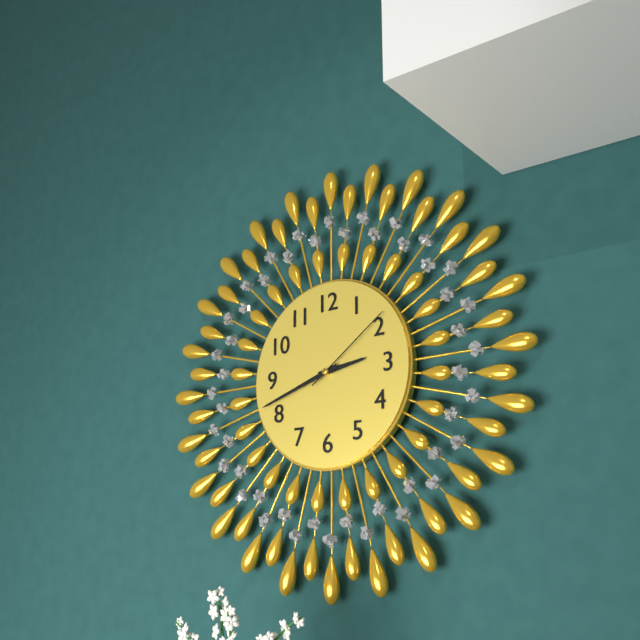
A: 2 h 42 min 09 s
